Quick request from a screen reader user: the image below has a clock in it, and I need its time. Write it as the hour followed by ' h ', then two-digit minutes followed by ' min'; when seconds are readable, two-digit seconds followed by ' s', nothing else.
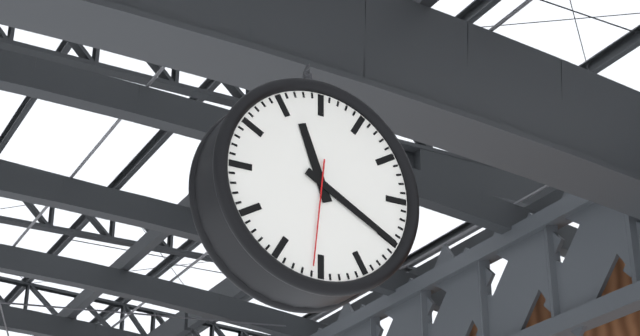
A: 11 h 20 min 31 s
